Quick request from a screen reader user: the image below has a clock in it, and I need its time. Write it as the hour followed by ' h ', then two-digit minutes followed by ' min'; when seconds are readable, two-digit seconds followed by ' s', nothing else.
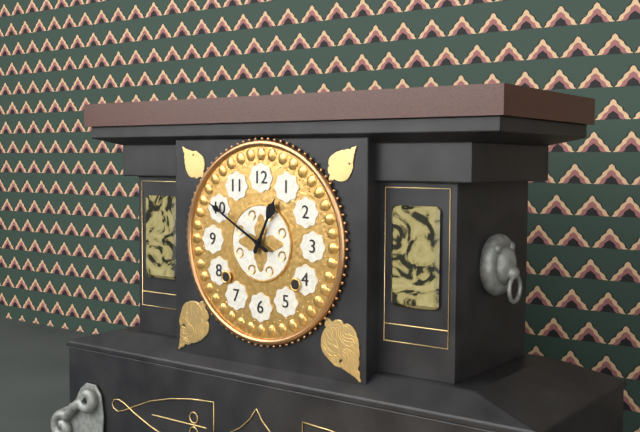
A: 12 h 50 min
